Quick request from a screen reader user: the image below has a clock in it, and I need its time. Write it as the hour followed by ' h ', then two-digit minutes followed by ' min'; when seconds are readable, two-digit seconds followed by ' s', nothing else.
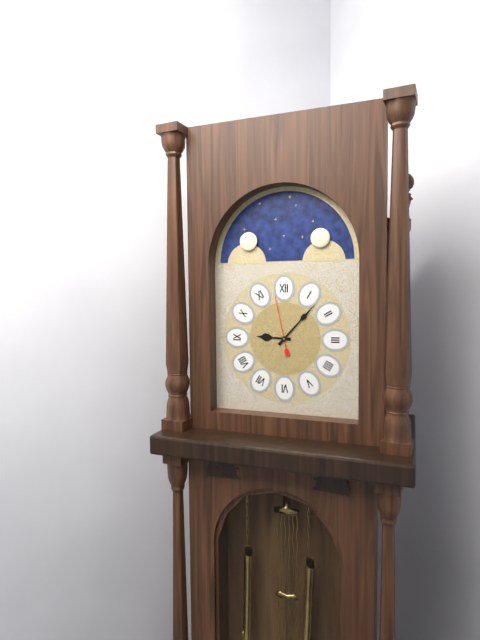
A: 9 h 07 min 58 s
